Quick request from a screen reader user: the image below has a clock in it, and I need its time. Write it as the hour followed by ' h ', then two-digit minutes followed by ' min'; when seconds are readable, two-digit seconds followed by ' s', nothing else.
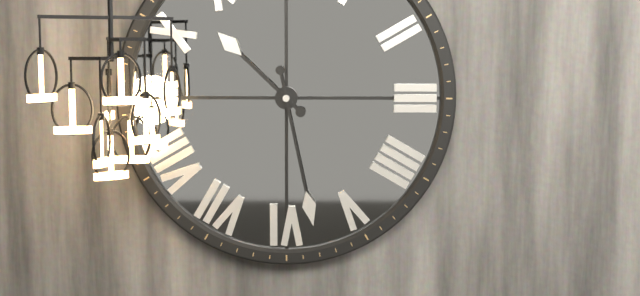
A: 10 h 28 min
